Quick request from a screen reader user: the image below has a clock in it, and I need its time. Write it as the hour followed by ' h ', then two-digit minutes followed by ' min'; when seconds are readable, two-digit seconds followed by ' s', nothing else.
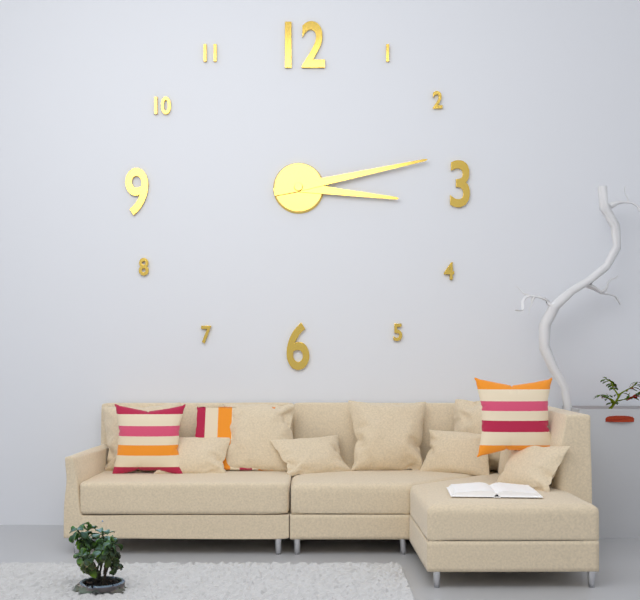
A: 3 h 13 min
